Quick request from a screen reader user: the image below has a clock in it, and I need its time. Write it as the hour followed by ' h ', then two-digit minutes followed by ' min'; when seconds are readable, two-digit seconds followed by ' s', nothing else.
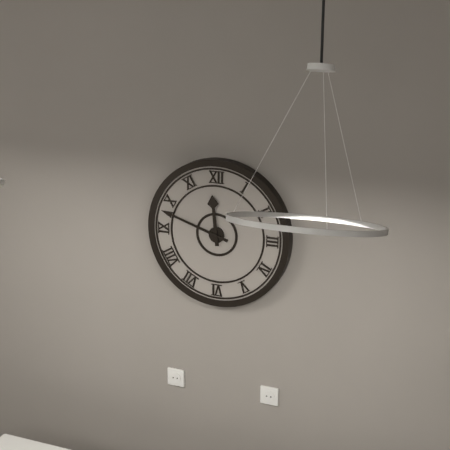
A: 11 h 48 min
